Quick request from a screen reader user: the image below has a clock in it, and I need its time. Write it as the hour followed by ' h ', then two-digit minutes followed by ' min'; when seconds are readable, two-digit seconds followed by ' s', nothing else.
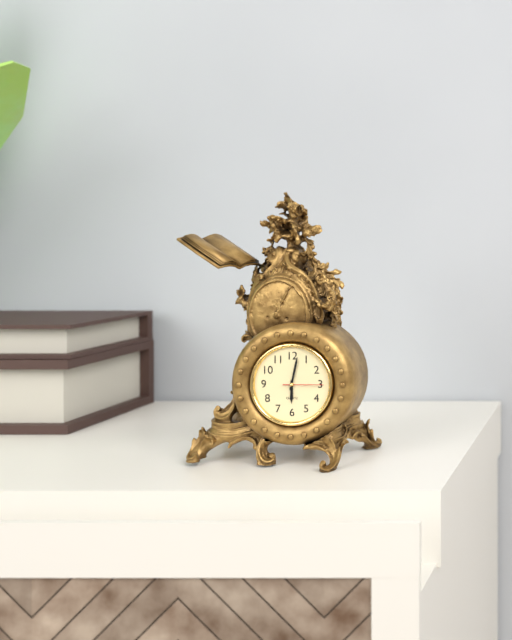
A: 6 h 02 min
